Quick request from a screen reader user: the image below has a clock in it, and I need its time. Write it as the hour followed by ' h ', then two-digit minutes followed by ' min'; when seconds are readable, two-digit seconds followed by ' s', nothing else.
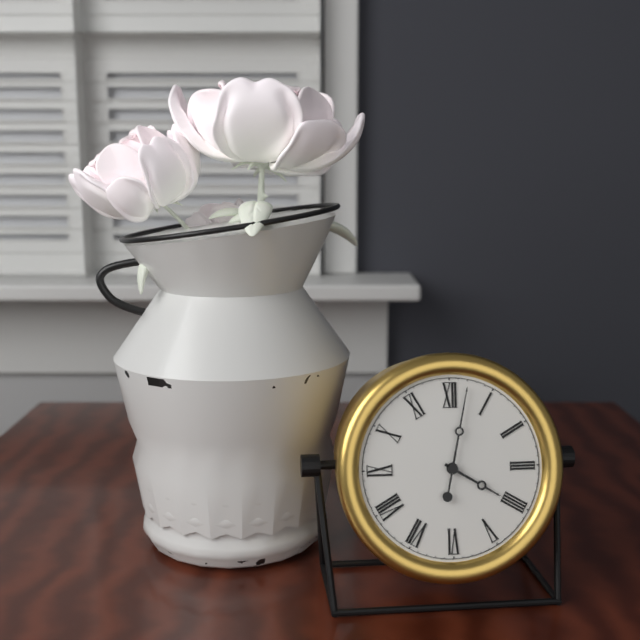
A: 4 h 02 min
